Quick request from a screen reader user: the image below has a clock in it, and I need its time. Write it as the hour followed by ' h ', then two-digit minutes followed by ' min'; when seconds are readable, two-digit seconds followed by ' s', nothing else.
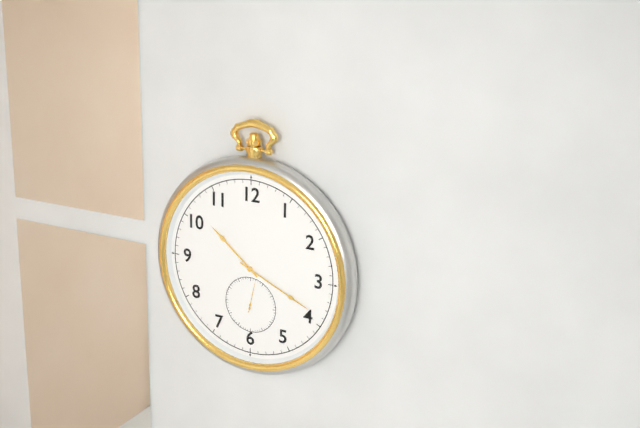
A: 10 h 19 min
